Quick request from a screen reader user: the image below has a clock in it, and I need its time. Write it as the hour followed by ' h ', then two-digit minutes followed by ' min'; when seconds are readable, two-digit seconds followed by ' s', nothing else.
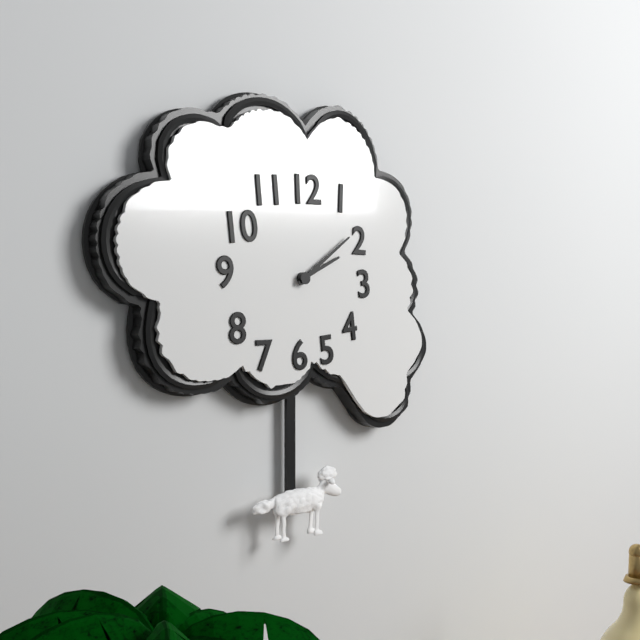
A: 2 h 09 min
